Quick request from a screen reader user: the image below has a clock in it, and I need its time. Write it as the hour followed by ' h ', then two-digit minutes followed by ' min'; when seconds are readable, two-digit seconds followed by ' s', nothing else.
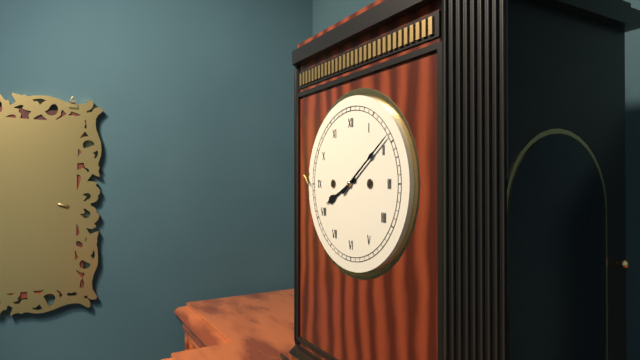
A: 8 h 09 min
